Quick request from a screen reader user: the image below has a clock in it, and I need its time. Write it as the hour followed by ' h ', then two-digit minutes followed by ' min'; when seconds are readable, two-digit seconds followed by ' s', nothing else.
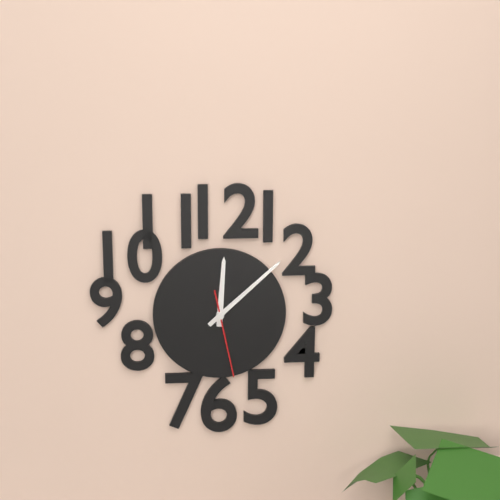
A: 12 h 08 min 28 s
